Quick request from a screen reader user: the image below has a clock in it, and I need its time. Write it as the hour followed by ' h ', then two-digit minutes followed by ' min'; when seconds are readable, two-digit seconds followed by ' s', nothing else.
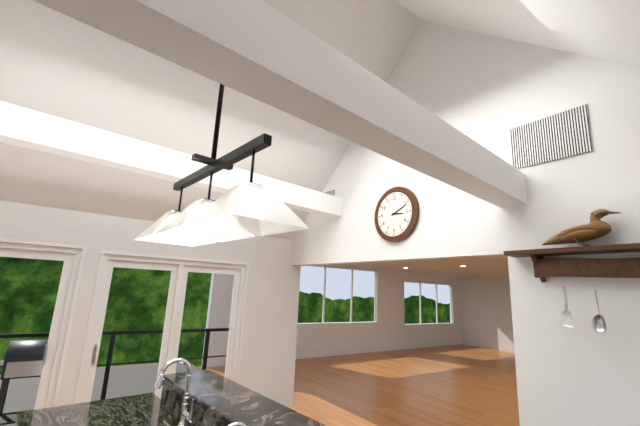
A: 3 h 11 min
